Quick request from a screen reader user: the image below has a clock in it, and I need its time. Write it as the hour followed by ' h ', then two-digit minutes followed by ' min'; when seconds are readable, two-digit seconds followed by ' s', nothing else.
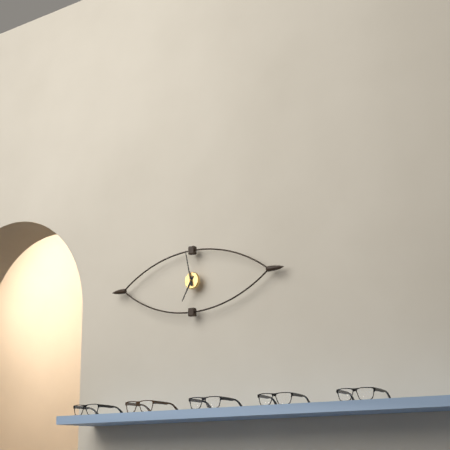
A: 6 h 58 min
